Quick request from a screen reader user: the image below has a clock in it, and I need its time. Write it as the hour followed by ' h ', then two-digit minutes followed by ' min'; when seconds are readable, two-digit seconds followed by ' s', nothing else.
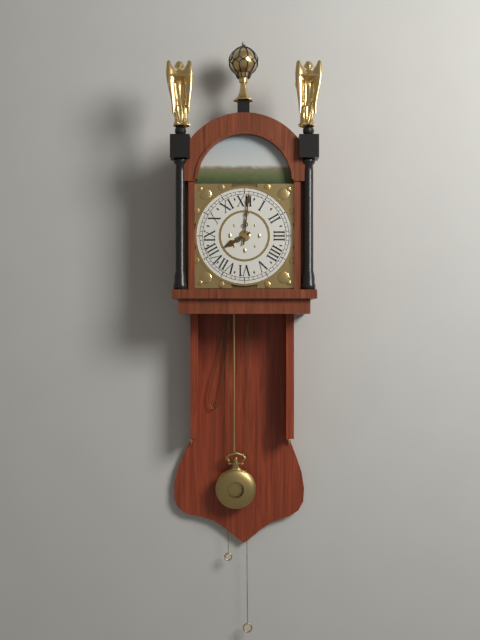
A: 8 h 01 min
